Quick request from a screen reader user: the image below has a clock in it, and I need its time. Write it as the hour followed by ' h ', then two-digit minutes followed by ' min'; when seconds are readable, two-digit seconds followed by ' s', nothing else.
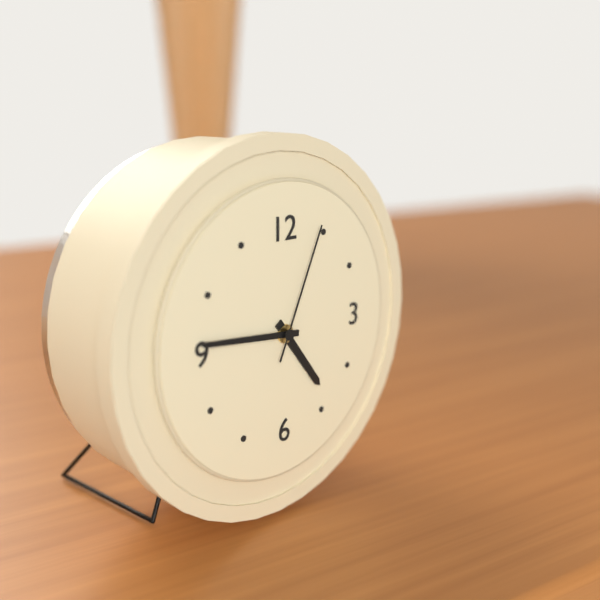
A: 4 h 46 min 04 s
